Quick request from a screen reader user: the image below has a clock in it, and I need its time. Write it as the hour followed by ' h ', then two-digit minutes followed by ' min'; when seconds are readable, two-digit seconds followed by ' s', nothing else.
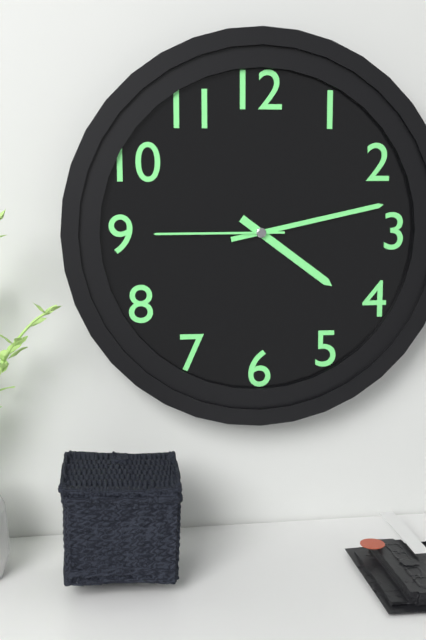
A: 4 h 13 min 45 s
